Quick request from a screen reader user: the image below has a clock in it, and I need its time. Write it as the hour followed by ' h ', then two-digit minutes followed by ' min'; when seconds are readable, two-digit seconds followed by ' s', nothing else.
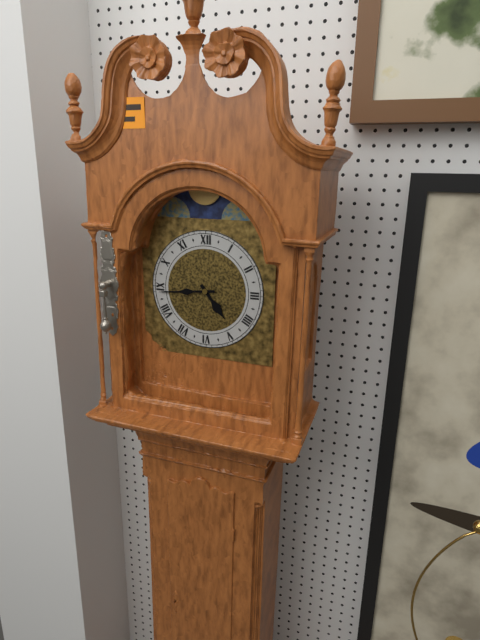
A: 4 h 44 min
